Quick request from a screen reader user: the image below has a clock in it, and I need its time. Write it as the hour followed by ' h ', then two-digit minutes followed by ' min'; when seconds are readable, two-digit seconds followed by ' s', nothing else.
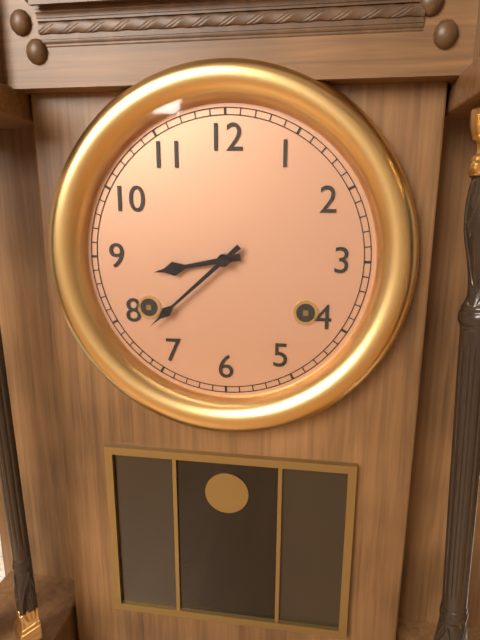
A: 8 h 38 min
